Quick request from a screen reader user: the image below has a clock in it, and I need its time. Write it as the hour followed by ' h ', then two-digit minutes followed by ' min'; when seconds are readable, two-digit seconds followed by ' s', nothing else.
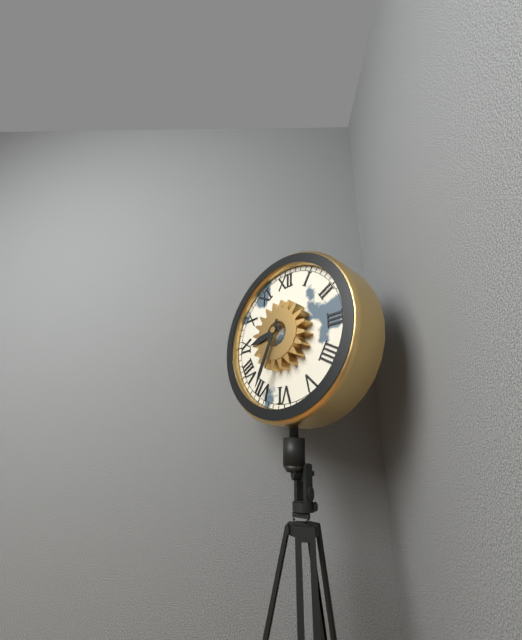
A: 8 h 34 min
